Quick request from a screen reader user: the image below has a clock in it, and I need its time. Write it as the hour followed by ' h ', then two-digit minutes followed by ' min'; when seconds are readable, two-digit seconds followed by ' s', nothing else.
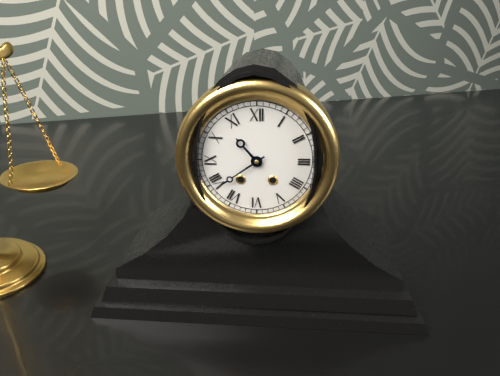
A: 10 h 39 min
